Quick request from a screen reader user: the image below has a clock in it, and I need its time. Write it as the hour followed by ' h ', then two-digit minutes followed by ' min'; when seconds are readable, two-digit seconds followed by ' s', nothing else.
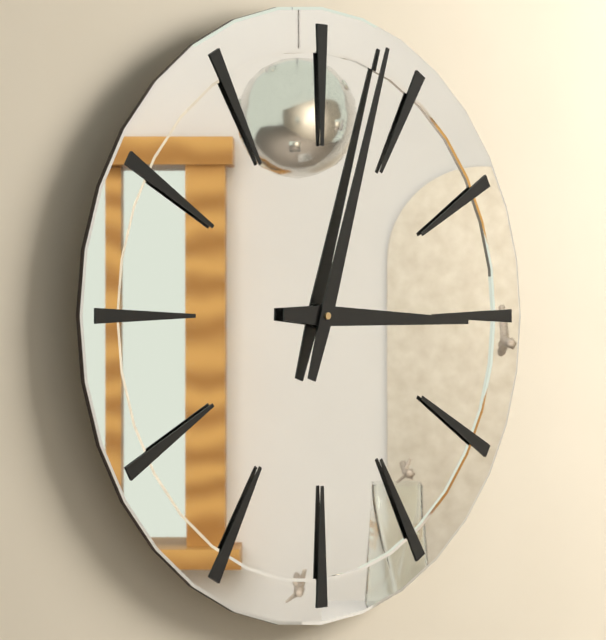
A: 3 h 03 min
